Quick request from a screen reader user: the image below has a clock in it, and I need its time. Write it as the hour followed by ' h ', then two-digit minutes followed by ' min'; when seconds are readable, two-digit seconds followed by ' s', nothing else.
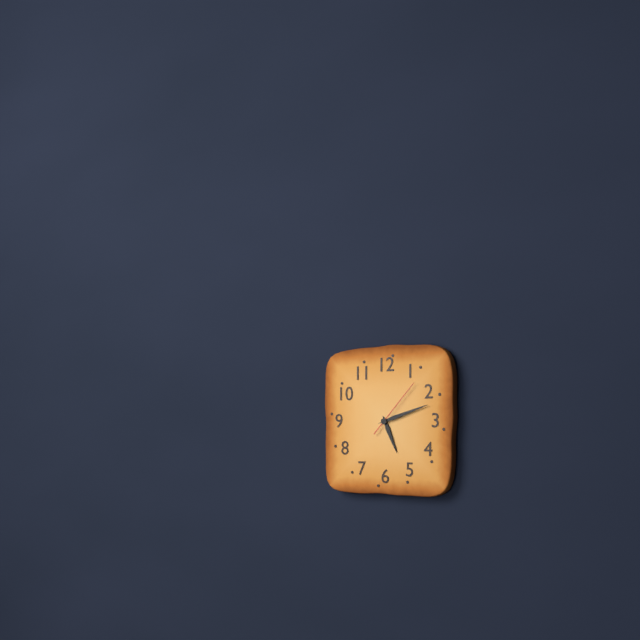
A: 5 h 12 min 07 s
